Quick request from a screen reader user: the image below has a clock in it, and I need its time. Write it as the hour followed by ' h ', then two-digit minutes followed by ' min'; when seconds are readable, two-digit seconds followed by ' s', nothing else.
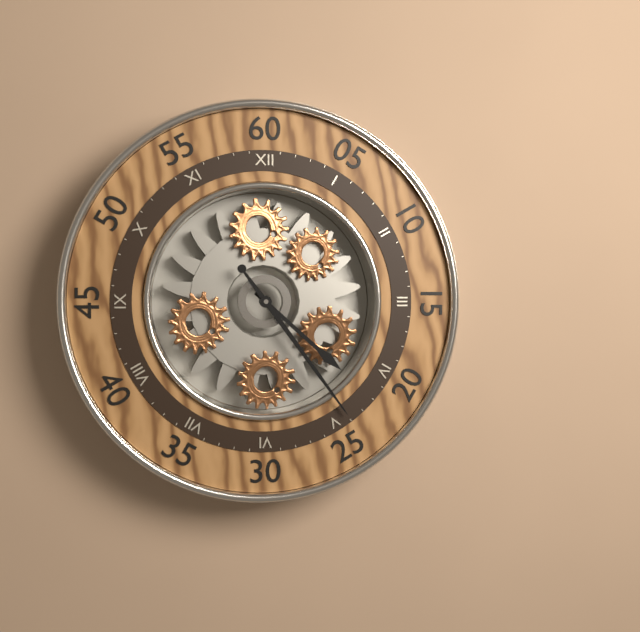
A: 4 h 24 min
